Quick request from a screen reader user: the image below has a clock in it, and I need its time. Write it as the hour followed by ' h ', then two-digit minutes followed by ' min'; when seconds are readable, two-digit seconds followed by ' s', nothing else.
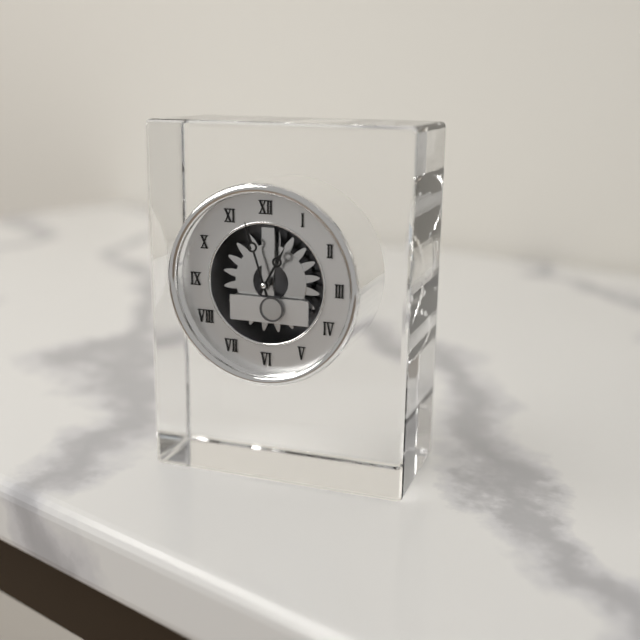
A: 12 h 57 min
